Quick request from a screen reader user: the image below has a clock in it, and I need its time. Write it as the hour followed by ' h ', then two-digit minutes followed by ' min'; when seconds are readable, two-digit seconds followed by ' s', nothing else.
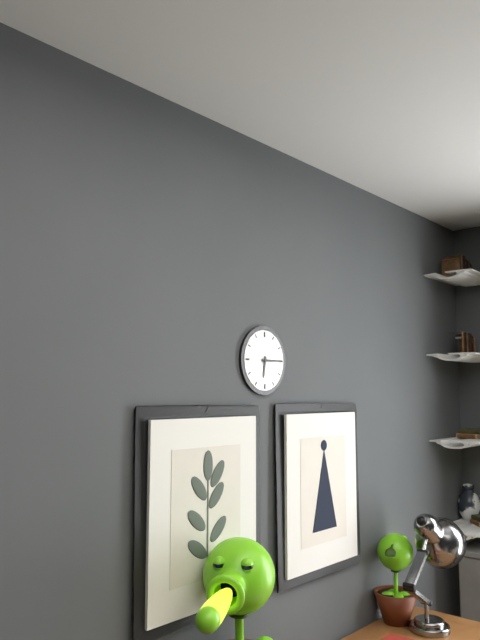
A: 6 h 15 min
